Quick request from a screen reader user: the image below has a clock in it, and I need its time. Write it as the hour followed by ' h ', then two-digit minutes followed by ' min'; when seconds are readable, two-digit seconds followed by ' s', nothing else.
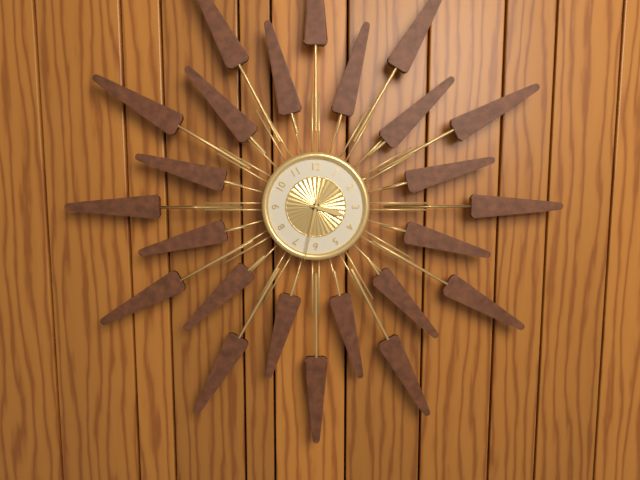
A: 3 h 32 min
